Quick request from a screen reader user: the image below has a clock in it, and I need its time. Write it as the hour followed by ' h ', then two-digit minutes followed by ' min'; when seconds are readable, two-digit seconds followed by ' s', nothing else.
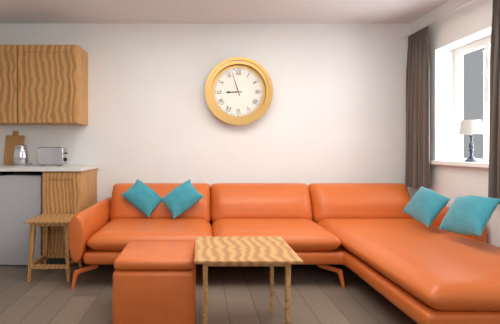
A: 8 h 57 min
